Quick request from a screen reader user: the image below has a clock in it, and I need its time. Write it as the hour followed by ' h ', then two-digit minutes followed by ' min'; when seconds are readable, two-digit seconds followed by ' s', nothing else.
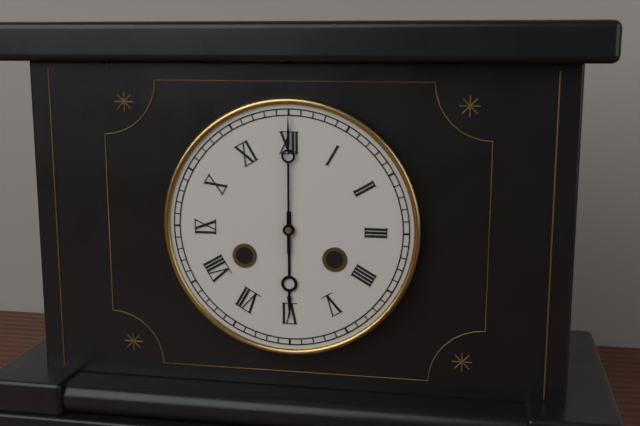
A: 6 h 00 min
